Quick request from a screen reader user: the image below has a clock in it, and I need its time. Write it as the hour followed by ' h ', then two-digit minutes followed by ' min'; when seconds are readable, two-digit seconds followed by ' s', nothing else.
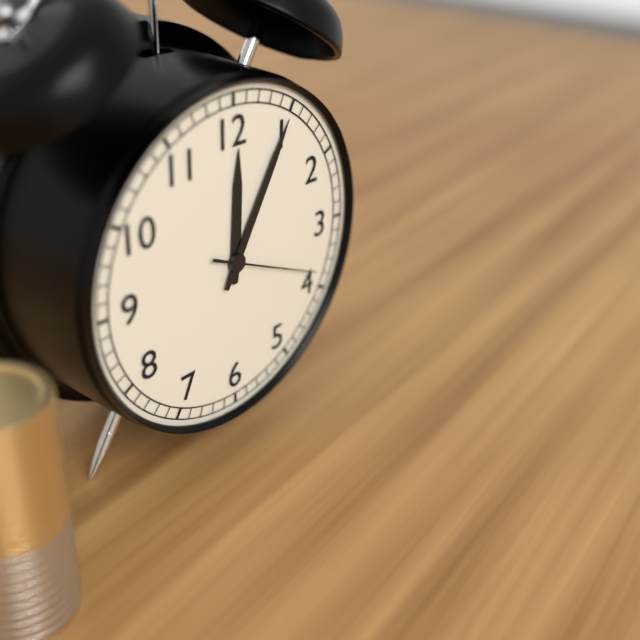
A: 12 h 05 min 19 s
